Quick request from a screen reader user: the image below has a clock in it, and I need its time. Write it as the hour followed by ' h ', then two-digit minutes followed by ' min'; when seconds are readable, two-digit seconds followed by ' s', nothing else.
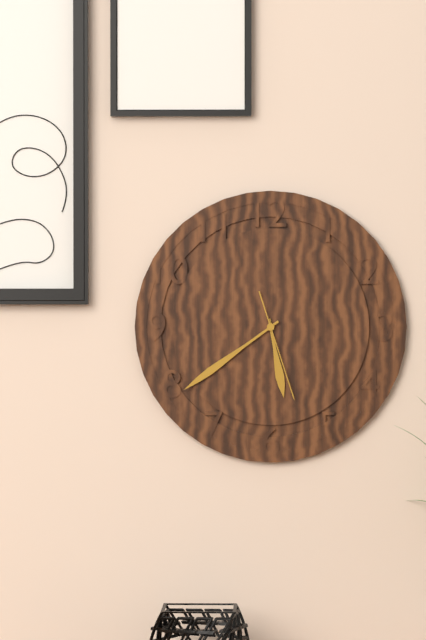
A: 5 h 39 min 27 s
